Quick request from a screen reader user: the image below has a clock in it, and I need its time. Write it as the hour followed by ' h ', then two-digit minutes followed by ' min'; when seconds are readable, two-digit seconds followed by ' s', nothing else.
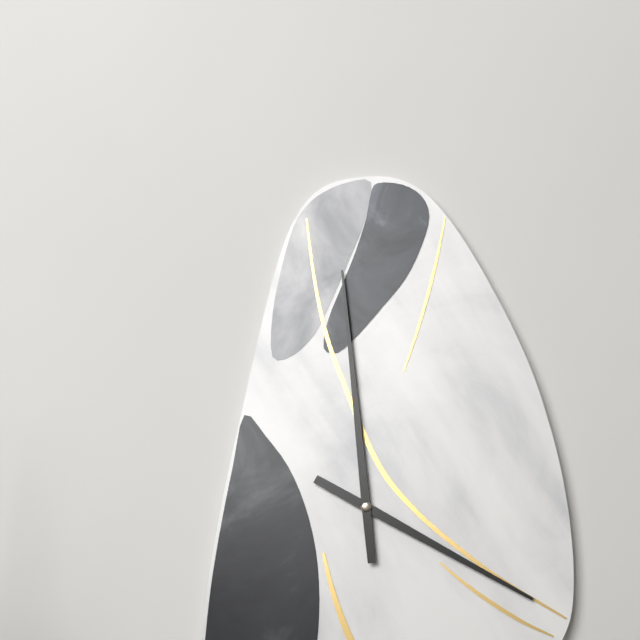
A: 3 h 59 min
